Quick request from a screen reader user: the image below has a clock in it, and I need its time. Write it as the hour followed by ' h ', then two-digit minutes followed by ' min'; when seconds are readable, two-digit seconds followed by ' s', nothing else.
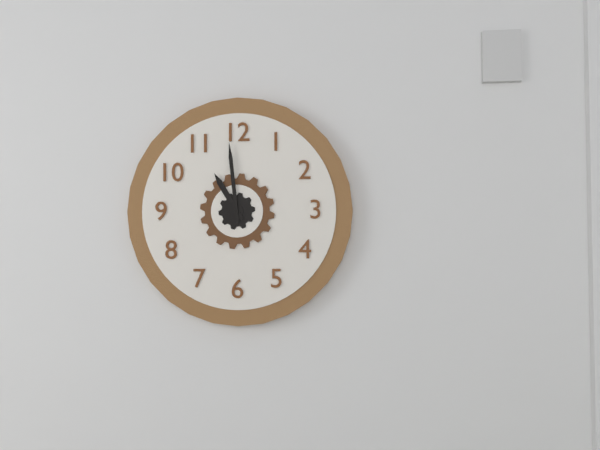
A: 10 h 59 min
